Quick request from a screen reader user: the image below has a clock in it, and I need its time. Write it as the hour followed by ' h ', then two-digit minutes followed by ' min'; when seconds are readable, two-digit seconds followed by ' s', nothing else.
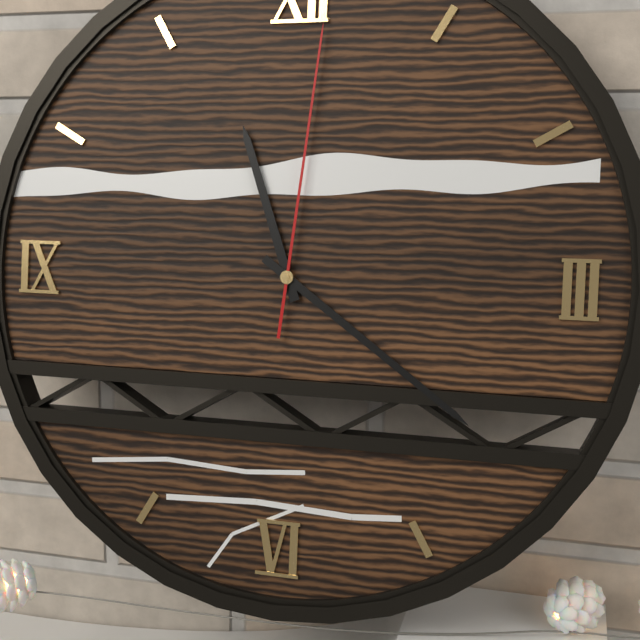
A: 11 h 21 min 01 s
